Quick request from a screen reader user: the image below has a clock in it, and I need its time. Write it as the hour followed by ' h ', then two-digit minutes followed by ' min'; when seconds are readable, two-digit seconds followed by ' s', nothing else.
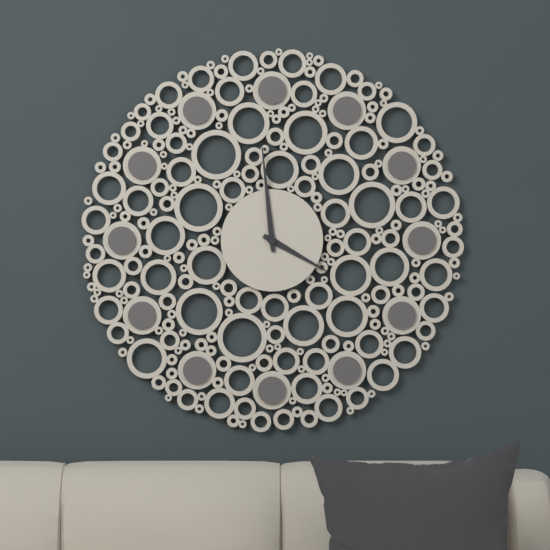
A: 3 h 59 min
